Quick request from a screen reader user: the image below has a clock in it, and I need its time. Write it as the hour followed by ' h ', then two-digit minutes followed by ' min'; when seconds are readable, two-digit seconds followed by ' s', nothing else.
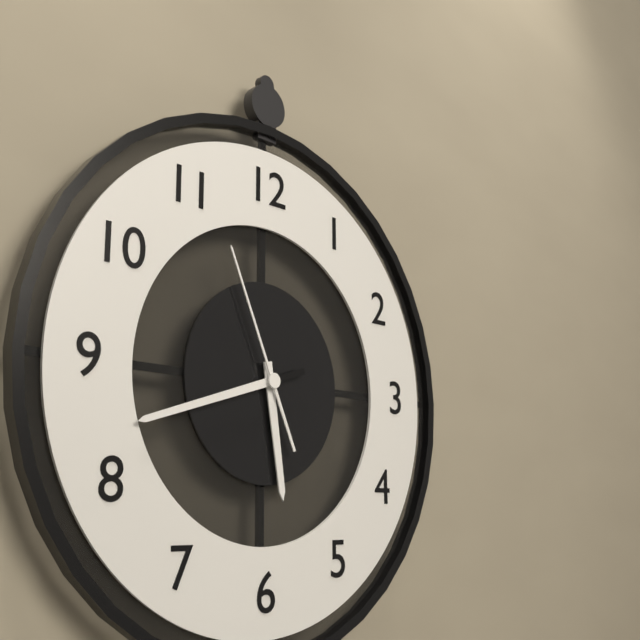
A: 5 h 42 min 56 s
